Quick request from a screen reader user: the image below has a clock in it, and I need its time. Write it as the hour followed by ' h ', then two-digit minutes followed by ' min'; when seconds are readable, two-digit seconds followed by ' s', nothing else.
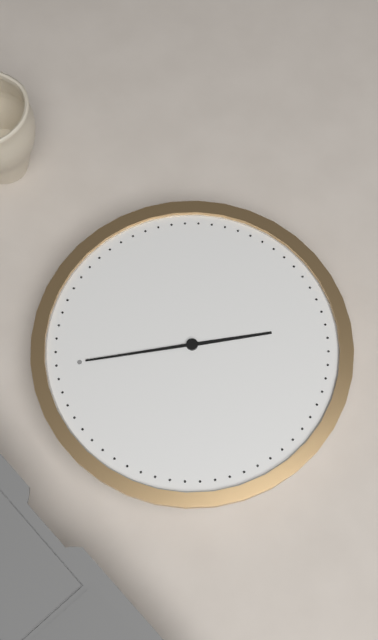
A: 6 h 00 min
